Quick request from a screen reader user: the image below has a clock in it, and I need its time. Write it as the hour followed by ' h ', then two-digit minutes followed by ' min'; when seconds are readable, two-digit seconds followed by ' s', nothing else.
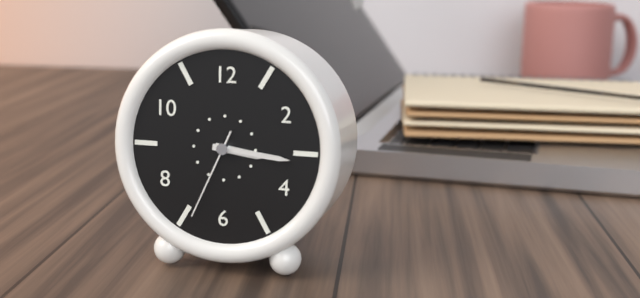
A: 3 h 16 min 34 s
